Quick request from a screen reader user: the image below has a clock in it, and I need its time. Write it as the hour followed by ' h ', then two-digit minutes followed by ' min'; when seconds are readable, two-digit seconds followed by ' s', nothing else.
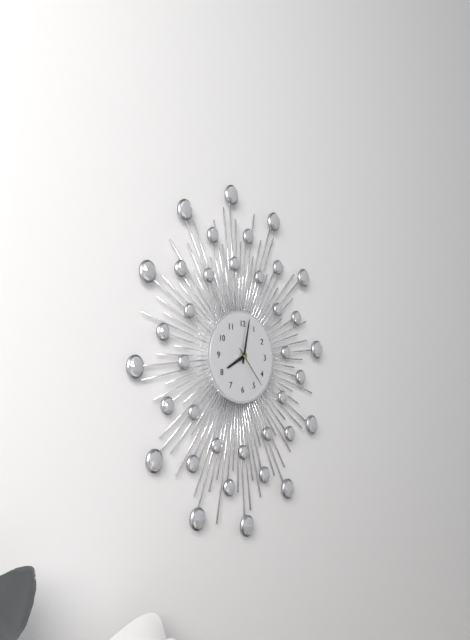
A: 8 h 02 min
